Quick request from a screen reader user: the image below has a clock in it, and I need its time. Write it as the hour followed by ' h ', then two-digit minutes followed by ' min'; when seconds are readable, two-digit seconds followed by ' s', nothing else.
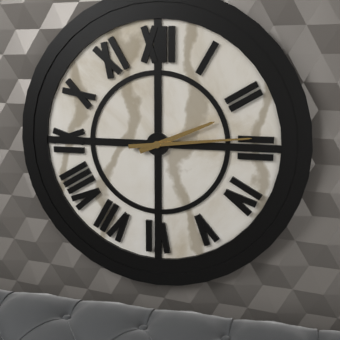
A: 2 h 14 min
